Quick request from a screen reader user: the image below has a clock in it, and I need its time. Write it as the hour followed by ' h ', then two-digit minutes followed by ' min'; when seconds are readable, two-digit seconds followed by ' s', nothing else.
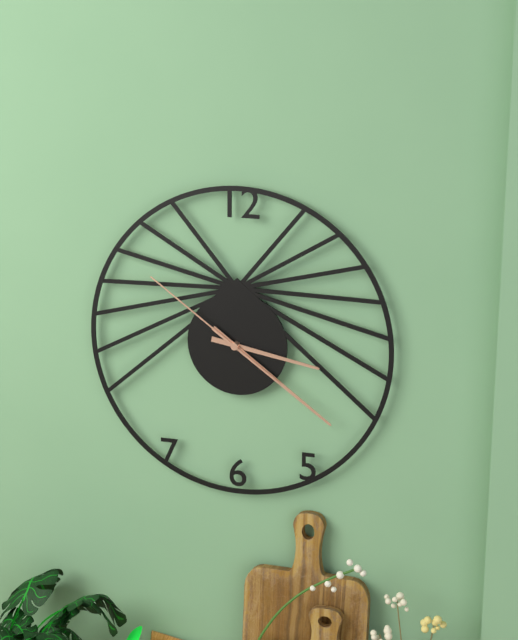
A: 3 h 21 min 51 s
